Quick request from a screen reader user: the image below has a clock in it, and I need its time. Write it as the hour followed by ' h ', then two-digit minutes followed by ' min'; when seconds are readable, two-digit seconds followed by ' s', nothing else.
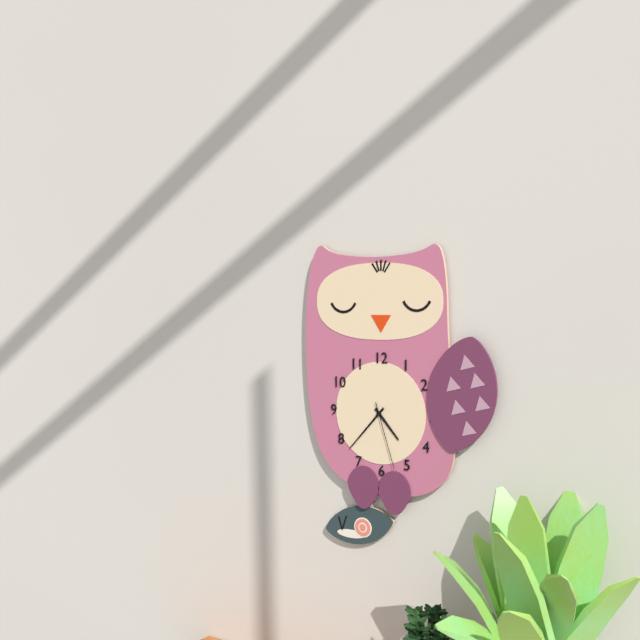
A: 4 h 37 min 27 s
